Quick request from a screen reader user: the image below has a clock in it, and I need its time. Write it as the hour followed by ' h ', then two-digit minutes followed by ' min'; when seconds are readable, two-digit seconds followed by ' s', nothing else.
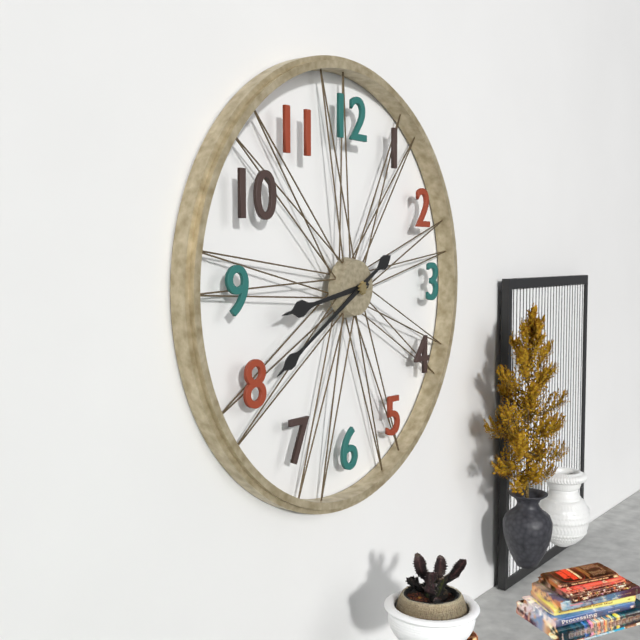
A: 8 h 40 min
